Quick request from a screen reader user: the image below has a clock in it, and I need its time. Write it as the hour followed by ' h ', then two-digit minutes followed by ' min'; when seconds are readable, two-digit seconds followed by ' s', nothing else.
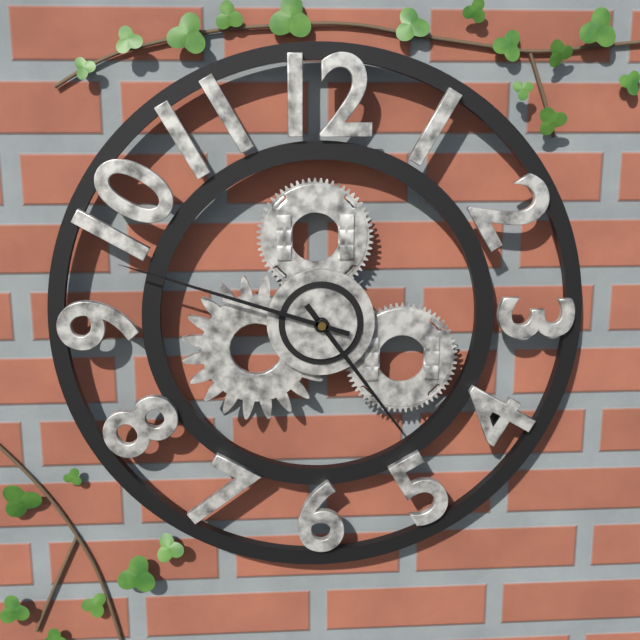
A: 4 h 48 min
